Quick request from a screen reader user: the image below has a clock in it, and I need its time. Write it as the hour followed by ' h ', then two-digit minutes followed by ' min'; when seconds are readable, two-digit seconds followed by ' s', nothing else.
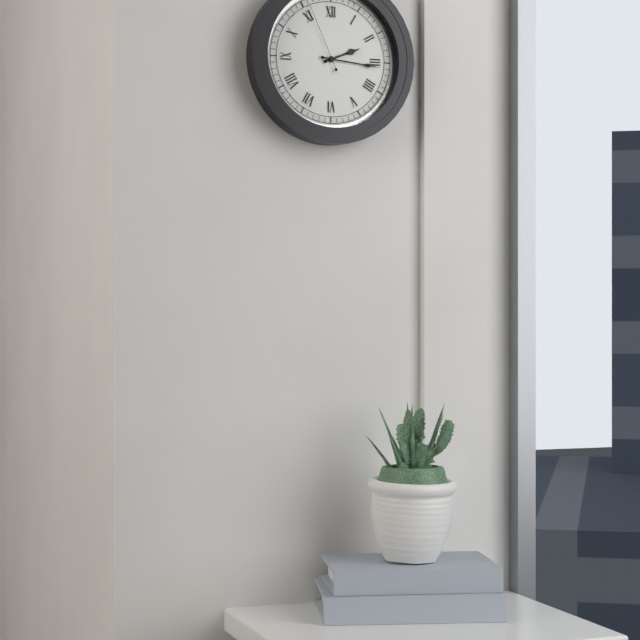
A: 2 h 16 min 56 s
